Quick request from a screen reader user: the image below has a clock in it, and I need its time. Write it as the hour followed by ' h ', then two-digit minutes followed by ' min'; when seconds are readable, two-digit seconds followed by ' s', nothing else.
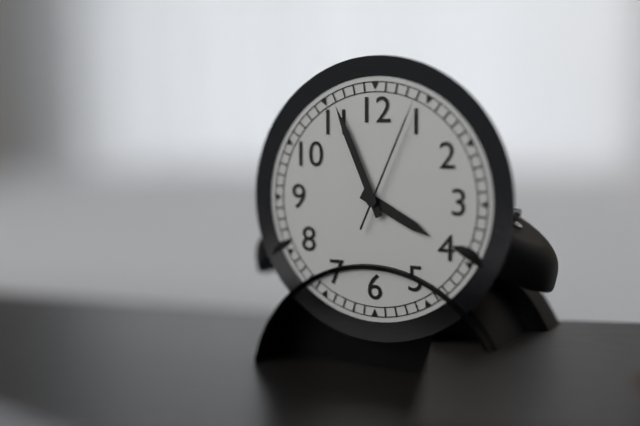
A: 3 h 56 min 04 s
